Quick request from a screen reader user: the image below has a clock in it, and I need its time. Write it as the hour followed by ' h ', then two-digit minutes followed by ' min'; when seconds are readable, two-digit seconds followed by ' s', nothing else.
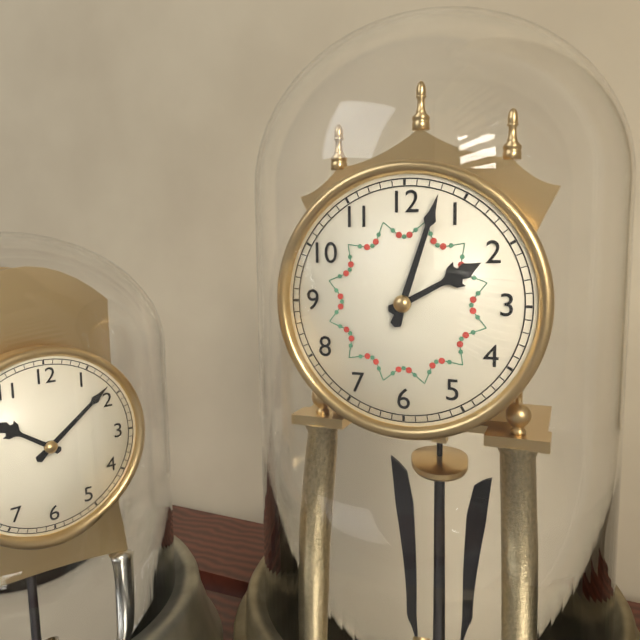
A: 2 h 03 min
